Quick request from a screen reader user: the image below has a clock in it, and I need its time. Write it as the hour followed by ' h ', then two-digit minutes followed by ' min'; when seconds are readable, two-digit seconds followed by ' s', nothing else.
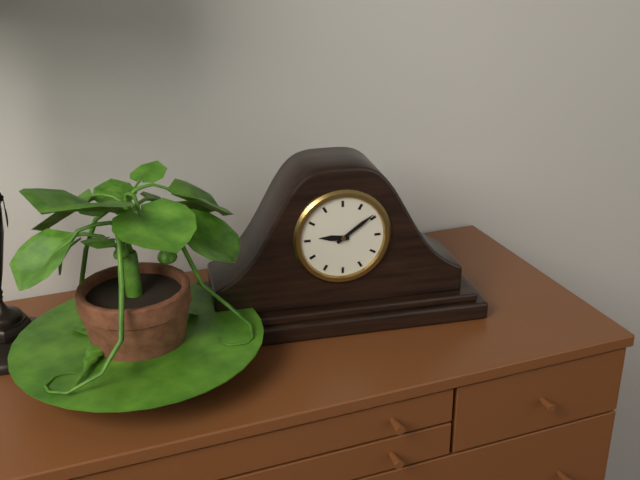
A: 9 h 09 min
